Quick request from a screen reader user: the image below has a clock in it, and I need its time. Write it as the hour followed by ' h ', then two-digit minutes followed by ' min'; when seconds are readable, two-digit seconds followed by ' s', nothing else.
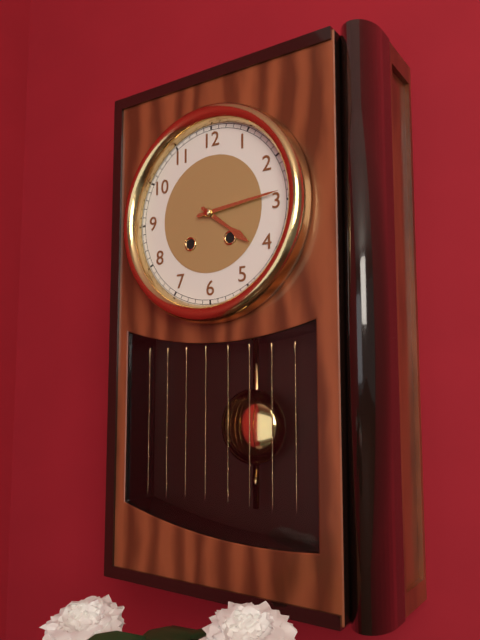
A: 4 h 14 min
